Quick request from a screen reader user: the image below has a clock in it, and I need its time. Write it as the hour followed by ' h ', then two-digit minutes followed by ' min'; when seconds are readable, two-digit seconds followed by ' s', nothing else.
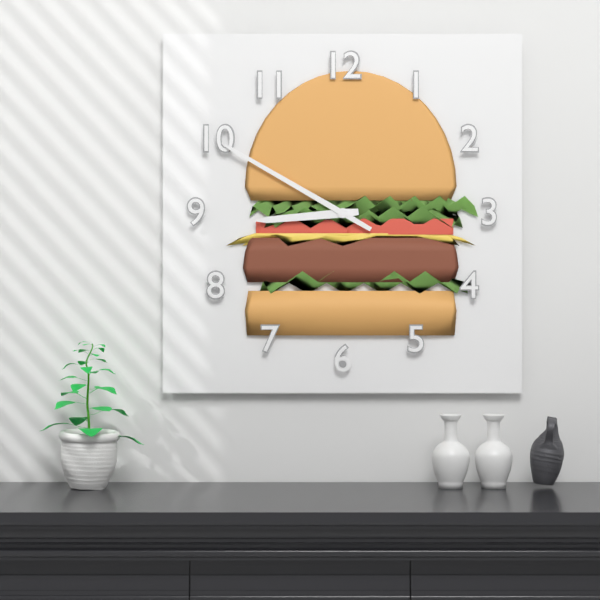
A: 8 h 50 min
